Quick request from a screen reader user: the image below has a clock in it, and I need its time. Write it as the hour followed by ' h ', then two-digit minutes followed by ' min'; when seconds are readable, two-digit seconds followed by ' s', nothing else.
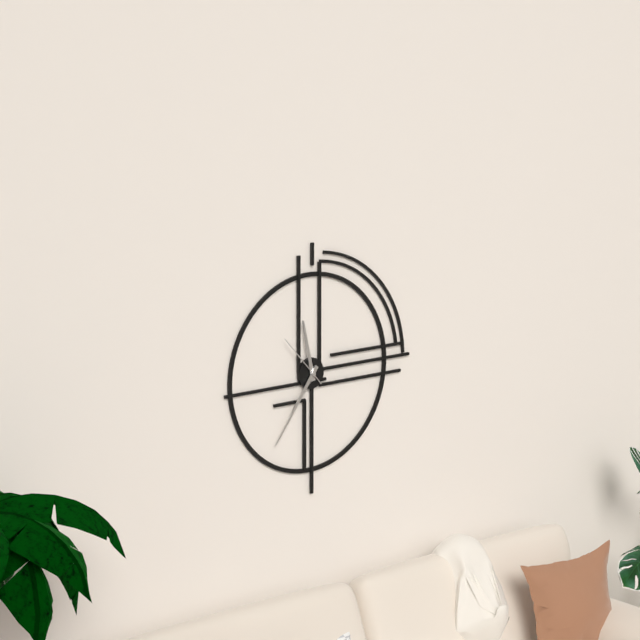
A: 11 h 36 min 53 s
